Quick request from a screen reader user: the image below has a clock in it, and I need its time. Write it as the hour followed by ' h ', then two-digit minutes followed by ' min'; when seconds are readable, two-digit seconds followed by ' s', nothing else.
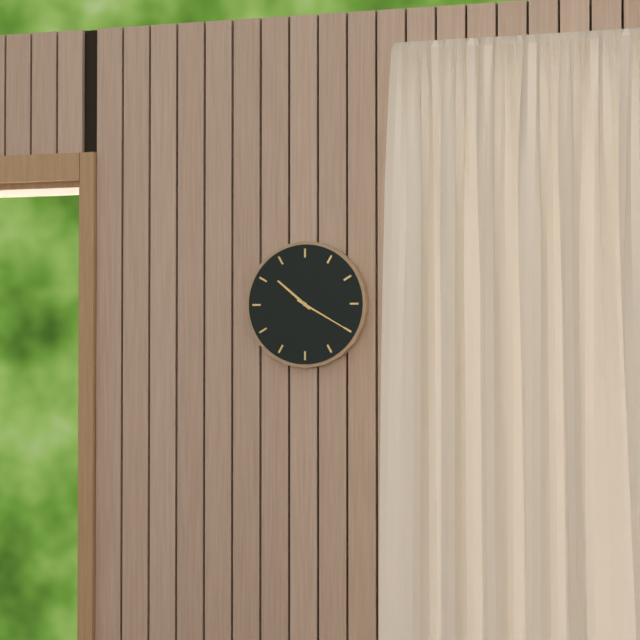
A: 10 h 20 min
